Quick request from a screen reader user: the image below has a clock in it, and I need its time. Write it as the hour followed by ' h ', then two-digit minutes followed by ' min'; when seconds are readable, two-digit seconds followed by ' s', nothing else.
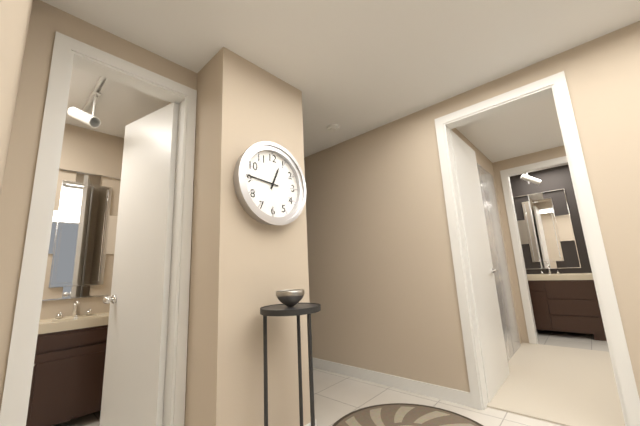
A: 12 h 46 min
